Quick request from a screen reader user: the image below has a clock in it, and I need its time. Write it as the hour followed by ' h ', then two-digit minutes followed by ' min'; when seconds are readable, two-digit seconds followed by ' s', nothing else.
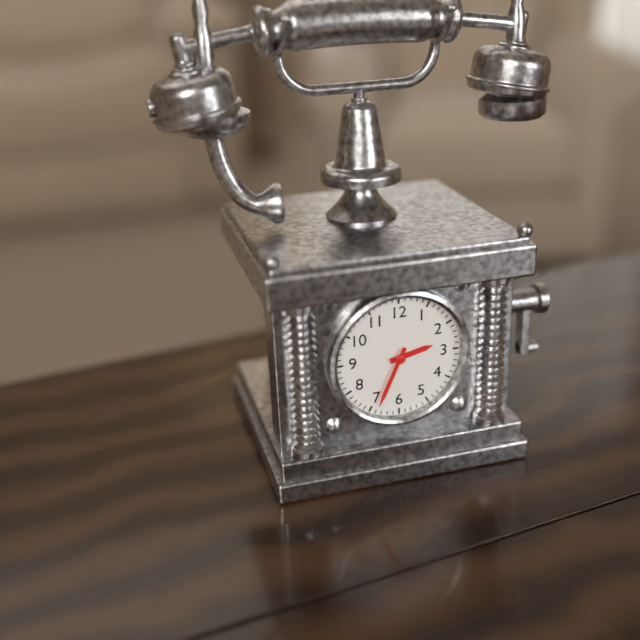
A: 2 h 34 min
